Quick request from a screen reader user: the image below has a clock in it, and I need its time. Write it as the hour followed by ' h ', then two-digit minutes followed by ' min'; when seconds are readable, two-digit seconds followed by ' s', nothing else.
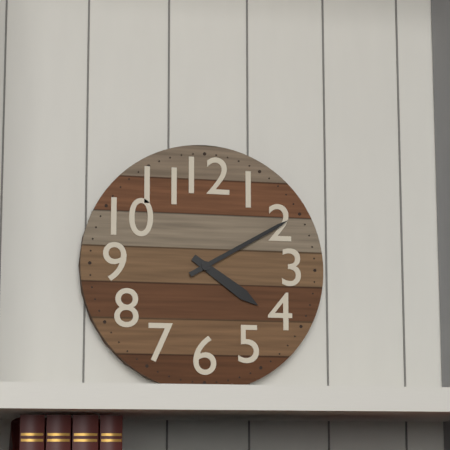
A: 4 h 10 min
